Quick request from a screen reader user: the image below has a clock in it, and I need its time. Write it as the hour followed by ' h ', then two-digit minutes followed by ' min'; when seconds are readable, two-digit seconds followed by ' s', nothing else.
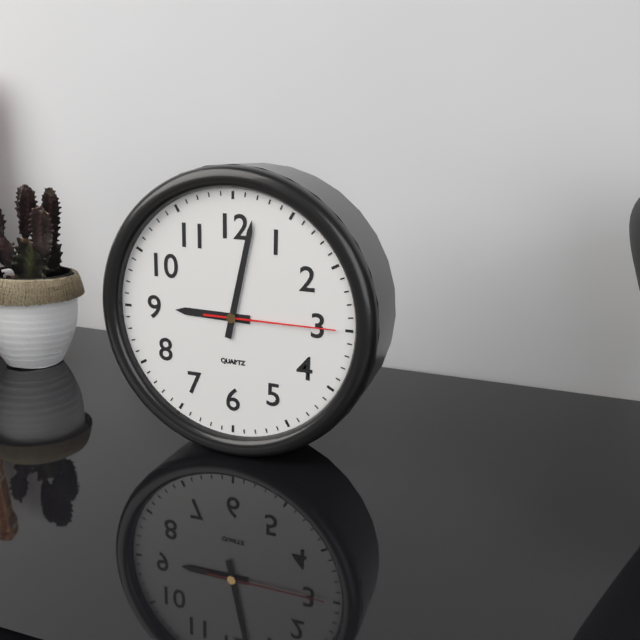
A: 9 h 02 min 15 s
